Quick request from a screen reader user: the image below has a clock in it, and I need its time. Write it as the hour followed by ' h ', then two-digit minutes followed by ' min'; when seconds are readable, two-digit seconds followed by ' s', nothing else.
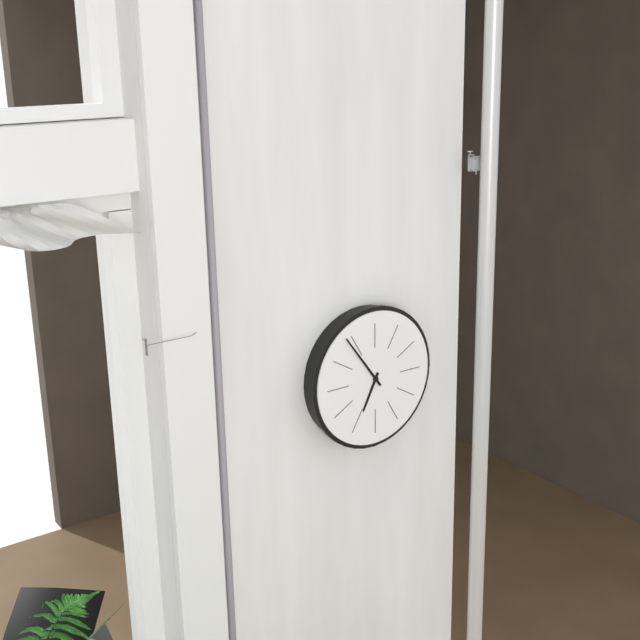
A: 6 h 54 min
